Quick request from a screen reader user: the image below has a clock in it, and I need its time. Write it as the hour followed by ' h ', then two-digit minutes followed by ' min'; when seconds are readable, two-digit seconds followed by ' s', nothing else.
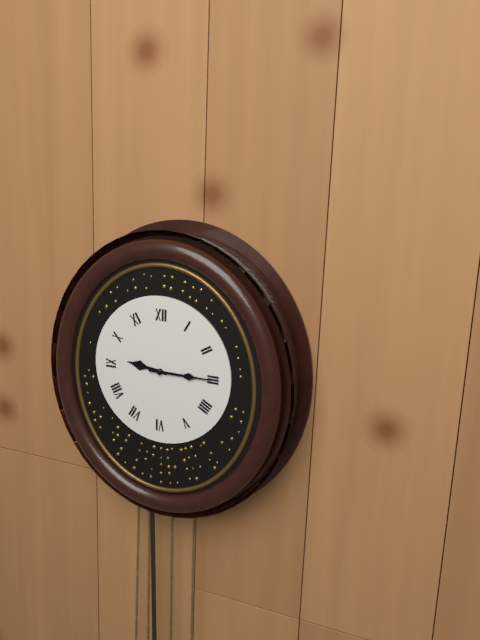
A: 9 h 15 min
